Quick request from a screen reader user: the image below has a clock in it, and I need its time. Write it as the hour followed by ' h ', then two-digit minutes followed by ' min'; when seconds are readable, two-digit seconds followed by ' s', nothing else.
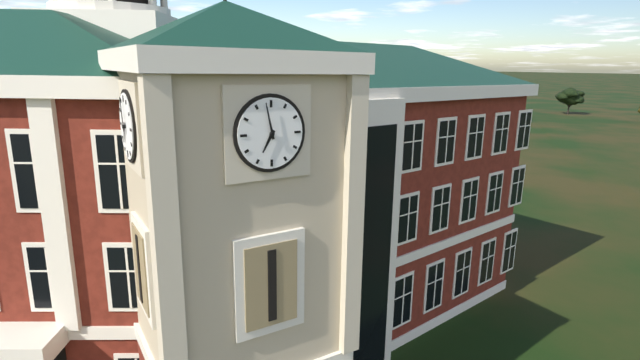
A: 6 h 58 min
